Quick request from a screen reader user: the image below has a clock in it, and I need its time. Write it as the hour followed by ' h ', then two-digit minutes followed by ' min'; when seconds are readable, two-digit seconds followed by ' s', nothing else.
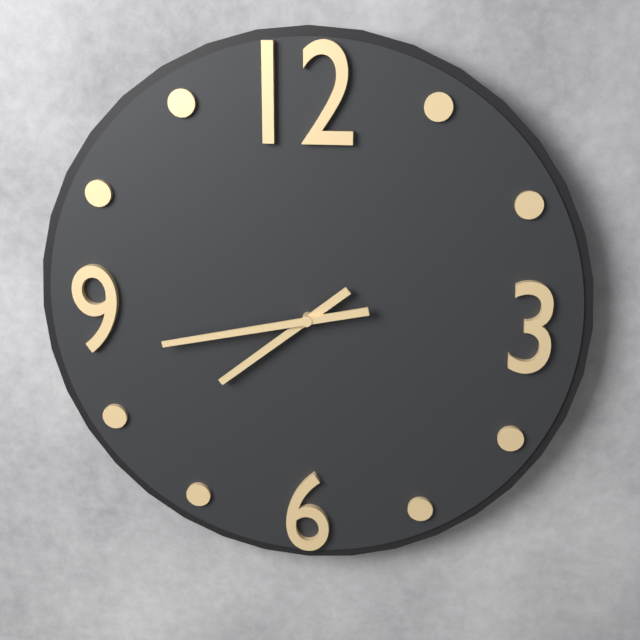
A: 7 h 43 min
